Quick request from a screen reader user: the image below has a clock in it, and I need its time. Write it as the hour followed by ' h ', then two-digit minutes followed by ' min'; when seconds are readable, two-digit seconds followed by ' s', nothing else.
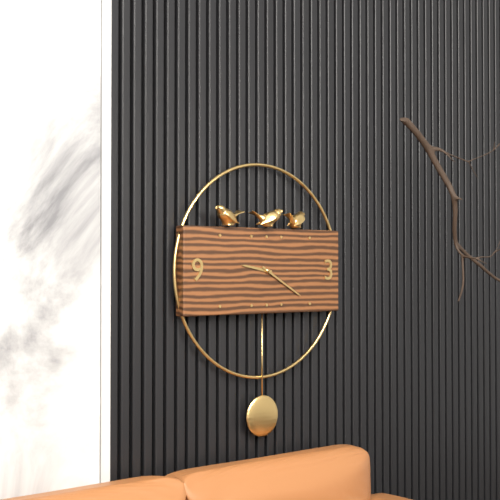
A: 9 h 20 min
